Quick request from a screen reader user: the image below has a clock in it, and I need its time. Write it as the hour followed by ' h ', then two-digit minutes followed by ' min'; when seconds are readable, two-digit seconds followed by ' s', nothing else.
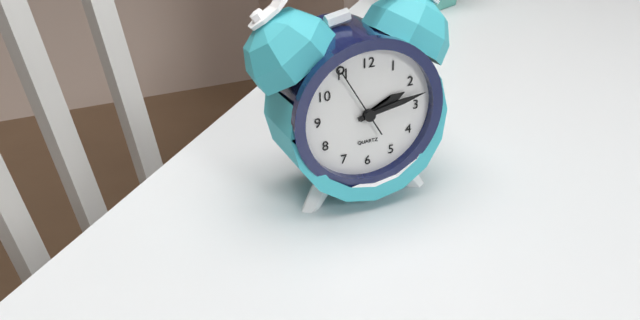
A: 2 h 13 min 55 s
